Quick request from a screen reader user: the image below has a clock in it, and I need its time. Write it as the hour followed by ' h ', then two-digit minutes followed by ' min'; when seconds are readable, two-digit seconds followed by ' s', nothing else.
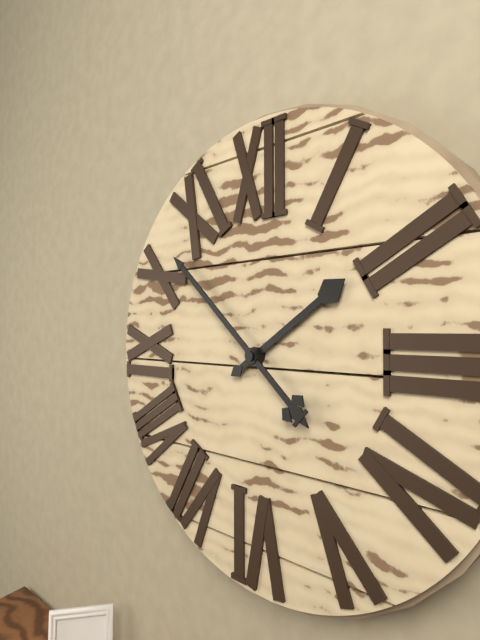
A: 1 h 52 min
